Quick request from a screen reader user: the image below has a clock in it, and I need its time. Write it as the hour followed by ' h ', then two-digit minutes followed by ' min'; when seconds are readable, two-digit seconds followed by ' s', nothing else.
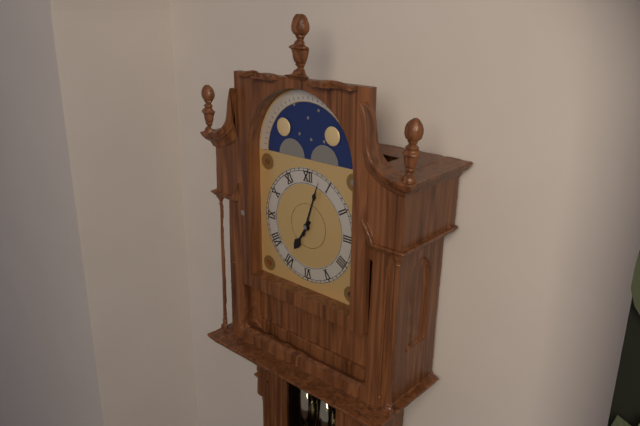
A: 7 h 03 min
